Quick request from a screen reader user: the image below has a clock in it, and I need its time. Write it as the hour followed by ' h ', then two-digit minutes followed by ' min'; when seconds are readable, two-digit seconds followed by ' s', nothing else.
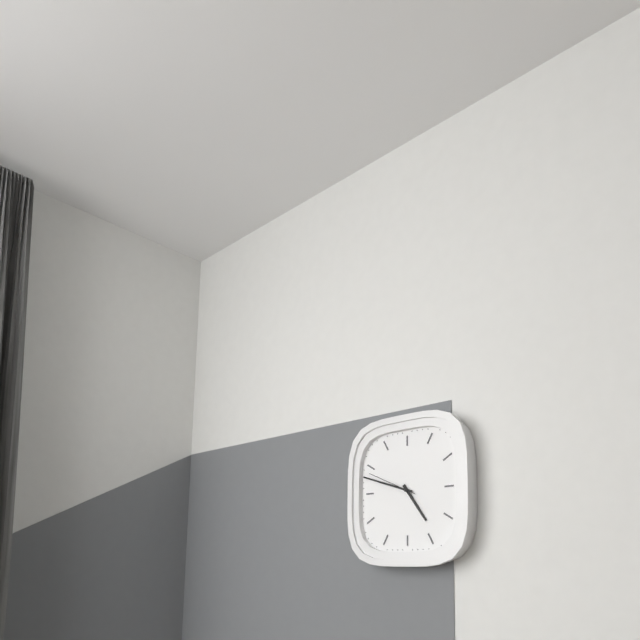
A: 4 h 48 min 49 s
